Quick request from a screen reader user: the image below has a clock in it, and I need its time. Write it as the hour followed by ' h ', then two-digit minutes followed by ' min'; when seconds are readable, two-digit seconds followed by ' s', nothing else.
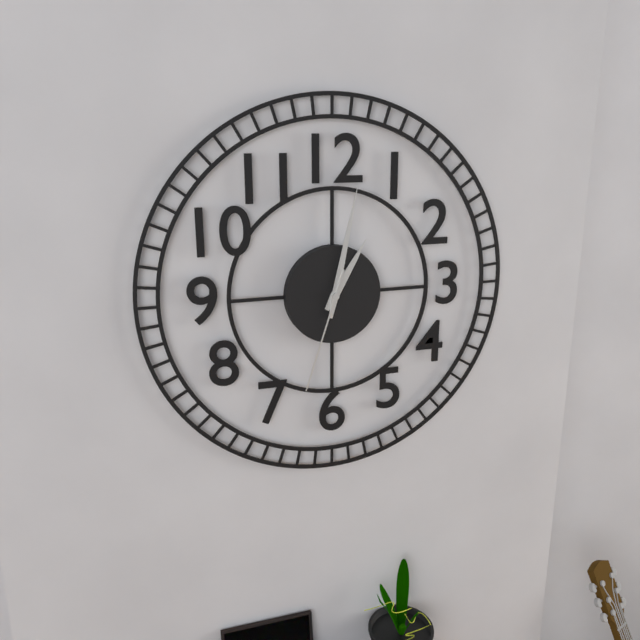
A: 1 h 02 min 33 s
